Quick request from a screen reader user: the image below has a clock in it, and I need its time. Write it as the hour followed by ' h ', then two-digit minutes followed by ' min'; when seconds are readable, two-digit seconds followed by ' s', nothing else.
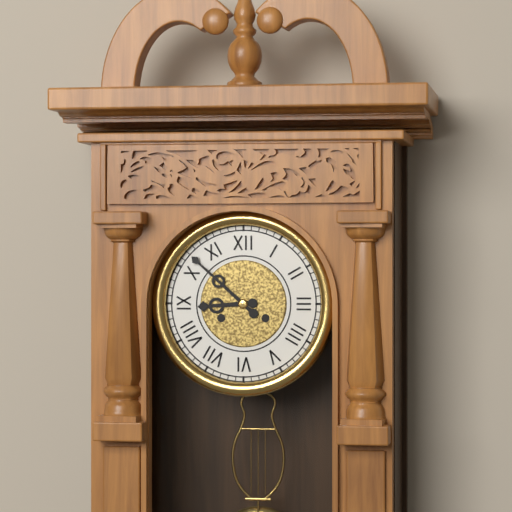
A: 8 h 52 min
